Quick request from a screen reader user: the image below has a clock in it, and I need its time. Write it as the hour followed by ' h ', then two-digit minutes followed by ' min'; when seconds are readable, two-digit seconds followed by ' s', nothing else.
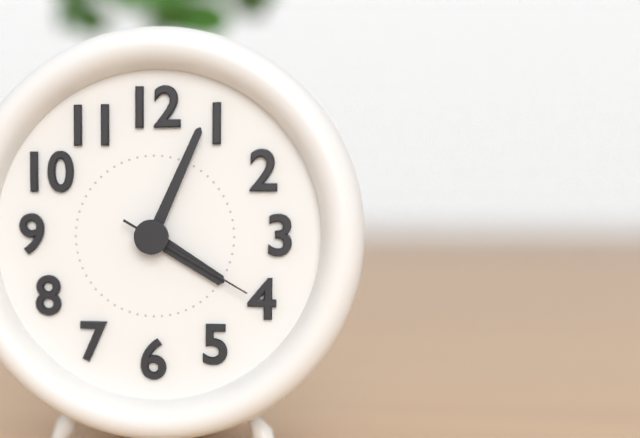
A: 4 h 04 min 20 s
